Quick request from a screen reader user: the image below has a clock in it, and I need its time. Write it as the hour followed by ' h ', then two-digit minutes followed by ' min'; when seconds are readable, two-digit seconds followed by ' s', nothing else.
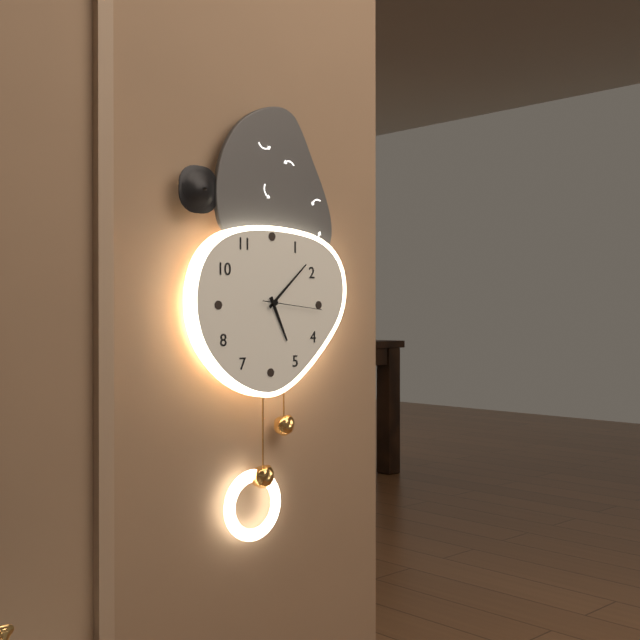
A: 5 h 08 min 16 s
